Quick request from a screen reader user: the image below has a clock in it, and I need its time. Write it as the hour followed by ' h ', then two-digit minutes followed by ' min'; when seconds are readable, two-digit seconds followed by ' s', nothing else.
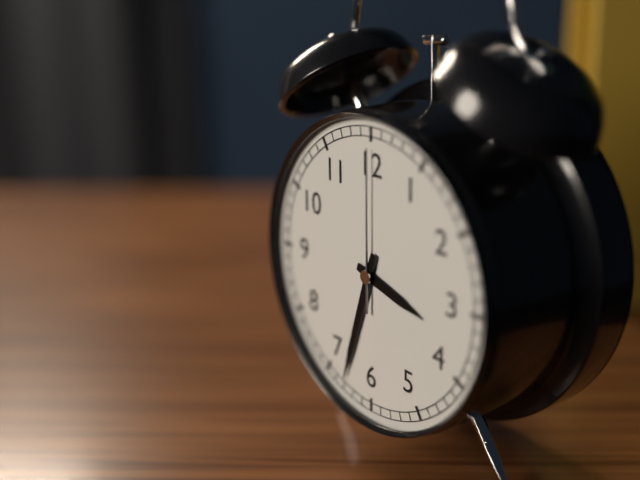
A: 3 h 33 min 00 s
